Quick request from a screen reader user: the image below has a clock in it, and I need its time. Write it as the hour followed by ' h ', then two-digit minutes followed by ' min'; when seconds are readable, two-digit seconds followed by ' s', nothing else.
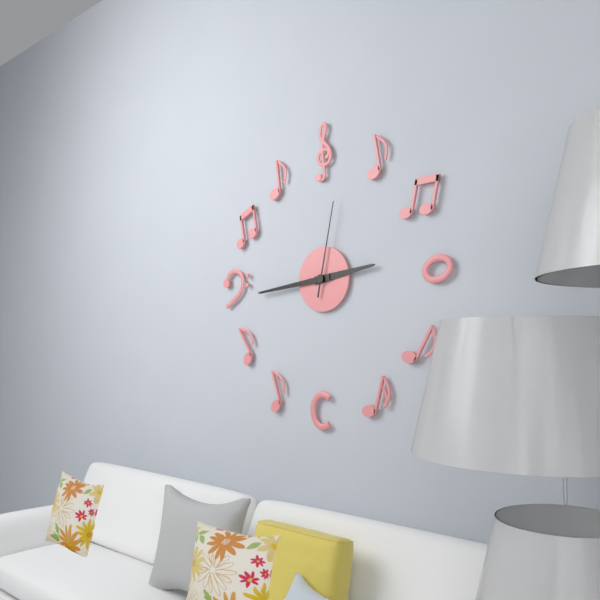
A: 2 h 44 min 02 s
